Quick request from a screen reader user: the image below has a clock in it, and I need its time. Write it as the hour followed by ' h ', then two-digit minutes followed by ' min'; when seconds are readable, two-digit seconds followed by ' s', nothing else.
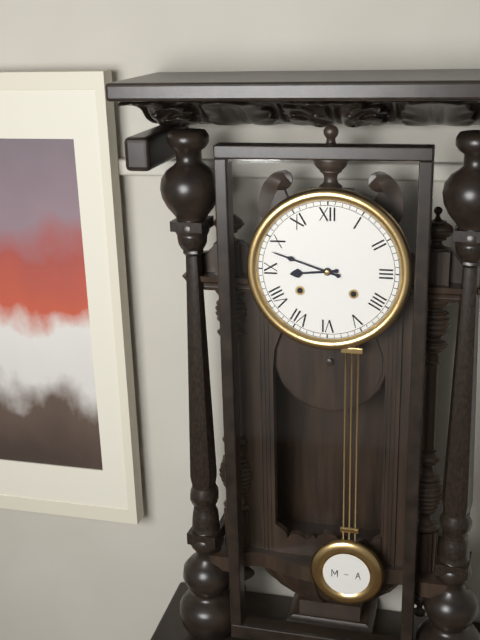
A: 8 h 48 min
